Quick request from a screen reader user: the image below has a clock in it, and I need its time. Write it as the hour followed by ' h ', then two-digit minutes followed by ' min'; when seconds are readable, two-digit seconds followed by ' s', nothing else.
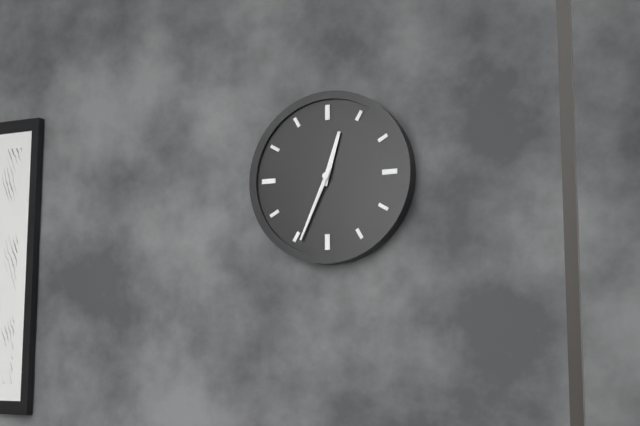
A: 12 h 34 min
